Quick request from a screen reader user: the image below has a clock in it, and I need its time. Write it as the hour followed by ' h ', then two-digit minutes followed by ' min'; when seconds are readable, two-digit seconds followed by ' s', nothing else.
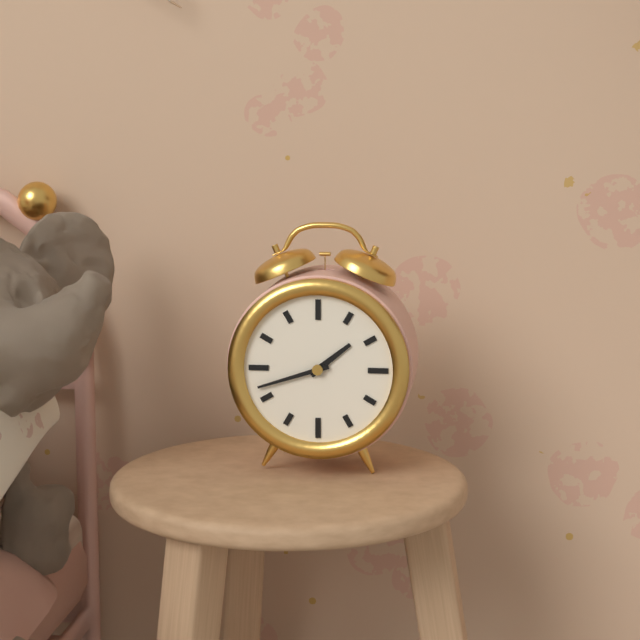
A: 1 h 42 min
